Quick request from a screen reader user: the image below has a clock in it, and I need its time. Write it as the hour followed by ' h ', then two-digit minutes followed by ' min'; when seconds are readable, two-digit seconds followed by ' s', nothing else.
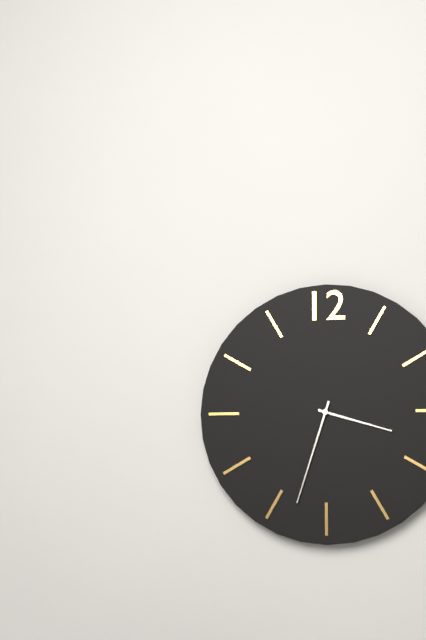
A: 3 h 33 min
